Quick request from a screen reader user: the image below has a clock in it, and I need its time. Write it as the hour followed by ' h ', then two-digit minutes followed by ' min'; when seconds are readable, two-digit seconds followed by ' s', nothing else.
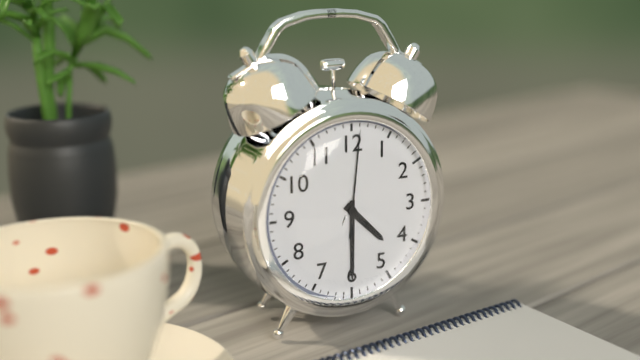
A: 4 h 30 min 01 s
